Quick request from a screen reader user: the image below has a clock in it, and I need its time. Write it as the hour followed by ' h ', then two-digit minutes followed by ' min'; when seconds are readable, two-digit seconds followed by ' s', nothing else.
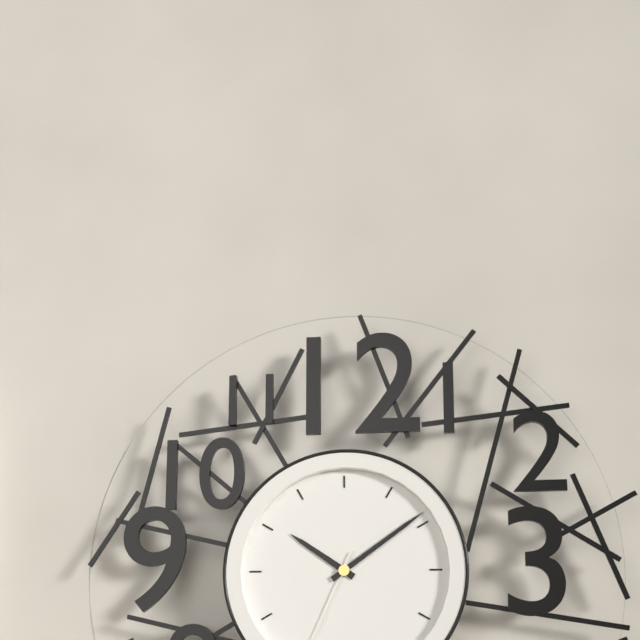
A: 10 h 09 min
